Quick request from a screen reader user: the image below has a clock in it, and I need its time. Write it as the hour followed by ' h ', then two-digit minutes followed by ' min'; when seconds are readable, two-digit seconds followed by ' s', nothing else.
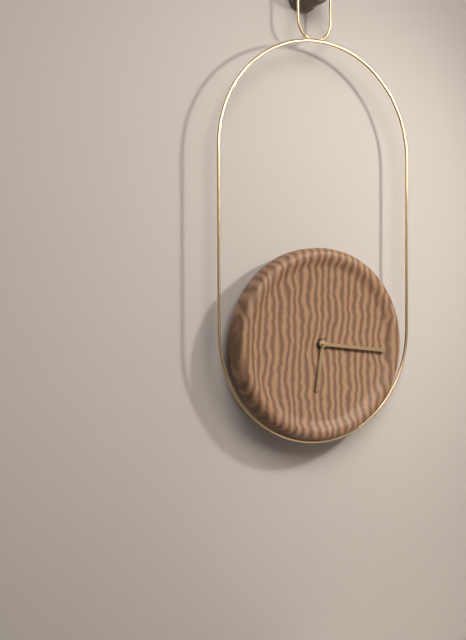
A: 6 h 16 min
